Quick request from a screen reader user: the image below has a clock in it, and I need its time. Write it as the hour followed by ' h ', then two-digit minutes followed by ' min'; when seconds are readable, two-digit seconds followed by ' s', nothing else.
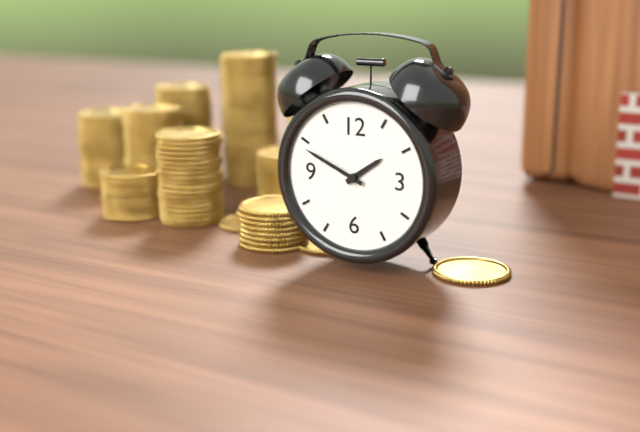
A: 1 h 49 min
